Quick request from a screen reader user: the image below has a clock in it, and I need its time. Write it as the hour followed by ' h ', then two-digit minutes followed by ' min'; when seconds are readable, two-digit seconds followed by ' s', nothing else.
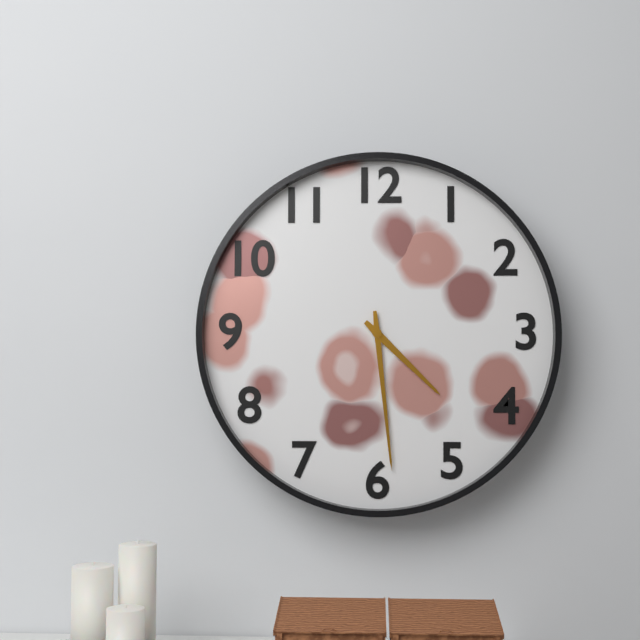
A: 4 h 29 min
